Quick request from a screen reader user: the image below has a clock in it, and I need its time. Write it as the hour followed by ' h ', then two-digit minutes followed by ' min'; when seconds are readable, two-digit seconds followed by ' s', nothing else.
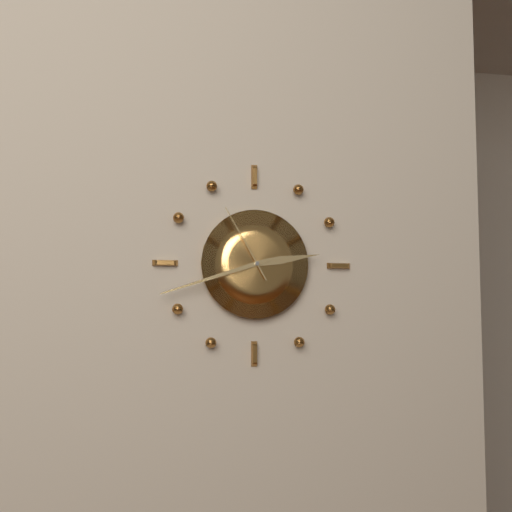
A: 2 h 42 min 55 s
